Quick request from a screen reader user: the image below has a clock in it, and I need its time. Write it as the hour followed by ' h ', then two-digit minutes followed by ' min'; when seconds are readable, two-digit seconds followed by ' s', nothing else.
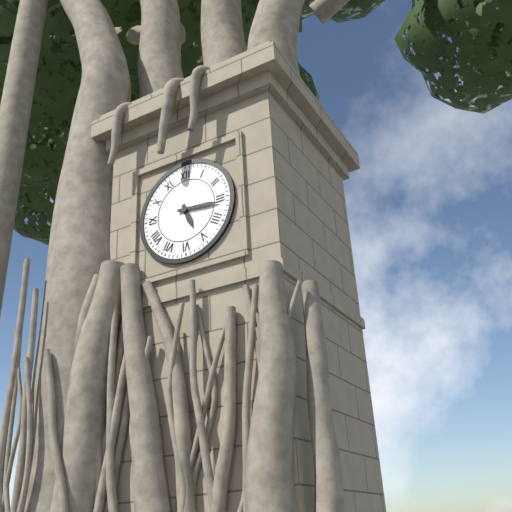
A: 5 h 16 min
